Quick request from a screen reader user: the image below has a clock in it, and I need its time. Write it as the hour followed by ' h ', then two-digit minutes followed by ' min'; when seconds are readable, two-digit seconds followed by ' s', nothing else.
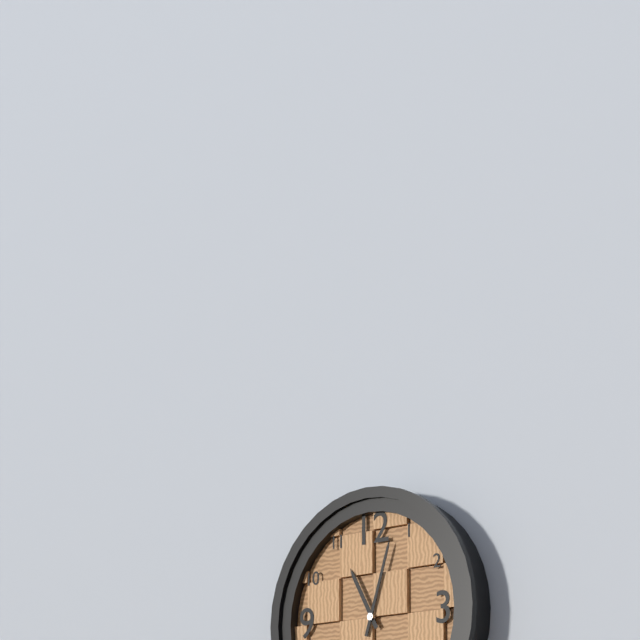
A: 11 h 03 min
